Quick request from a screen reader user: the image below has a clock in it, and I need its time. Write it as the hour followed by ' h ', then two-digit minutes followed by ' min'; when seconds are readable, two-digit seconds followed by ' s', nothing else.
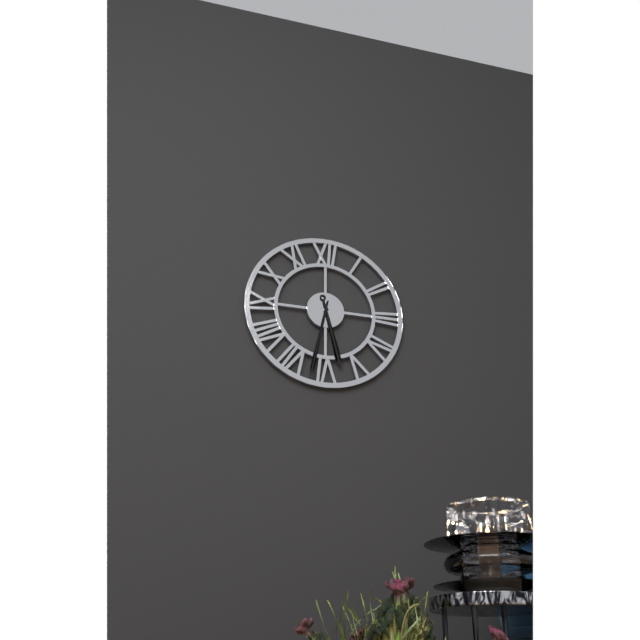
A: 5 h 32 min
